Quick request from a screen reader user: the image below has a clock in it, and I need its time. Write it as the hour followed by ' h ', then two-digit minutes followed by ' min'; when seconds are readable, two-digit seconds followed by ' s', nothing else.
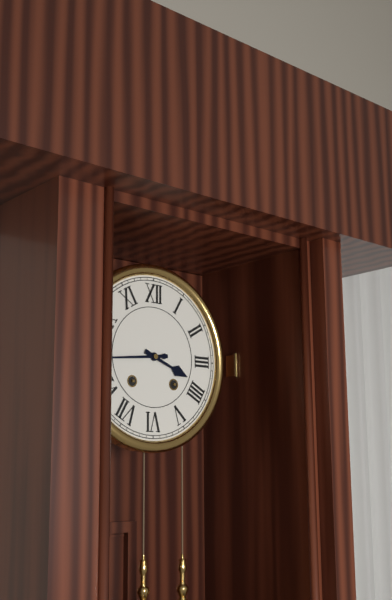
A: 3 h 44 min
